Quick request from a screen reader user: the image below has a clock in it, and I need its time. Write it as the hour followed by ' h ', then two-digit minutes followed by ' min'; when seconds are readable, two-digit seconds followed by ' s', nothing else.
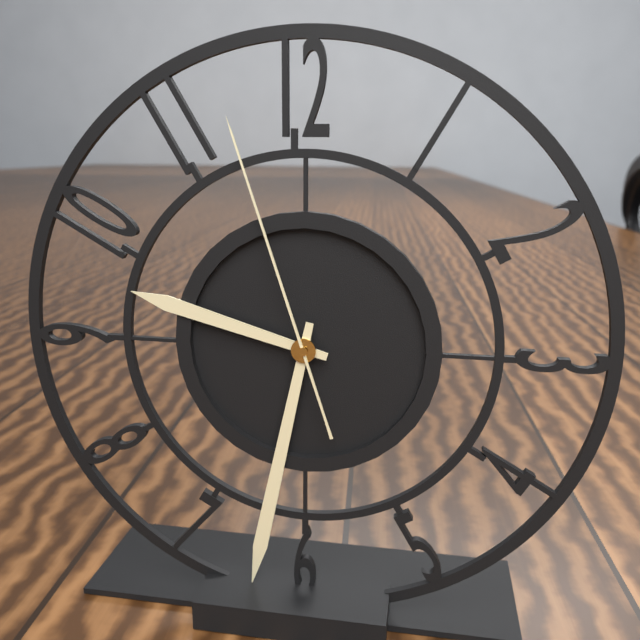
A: 9 h 32 min 57 s
